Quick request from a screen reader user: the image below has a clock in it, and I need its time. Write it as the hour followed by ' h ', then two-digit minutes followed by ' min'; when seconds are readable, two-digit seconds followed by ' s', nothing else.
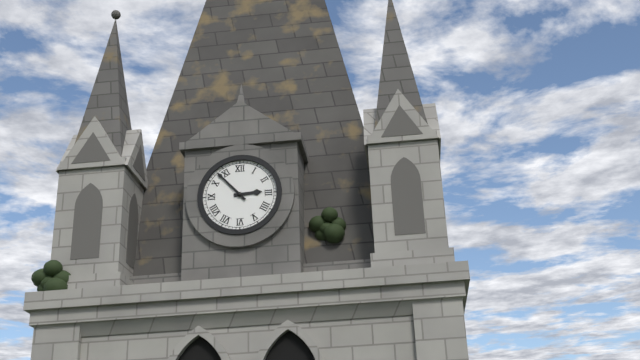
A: 2 h 53 min
